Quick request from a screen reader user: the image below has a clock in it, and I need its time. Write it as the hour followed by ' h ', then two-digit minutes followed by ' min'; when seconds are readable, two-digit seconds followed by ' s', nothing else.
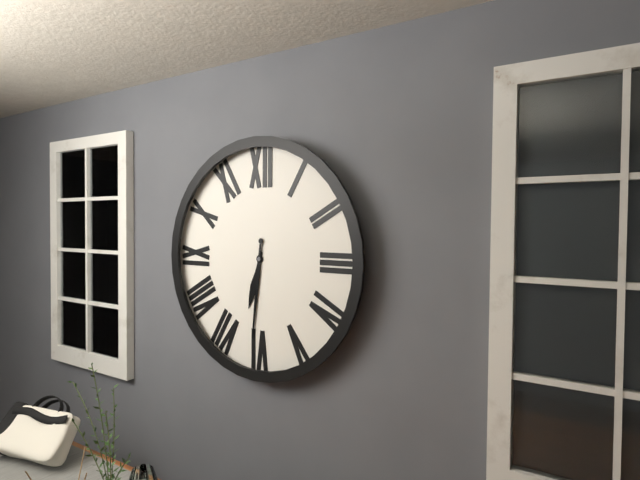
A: 6 h 31 min
